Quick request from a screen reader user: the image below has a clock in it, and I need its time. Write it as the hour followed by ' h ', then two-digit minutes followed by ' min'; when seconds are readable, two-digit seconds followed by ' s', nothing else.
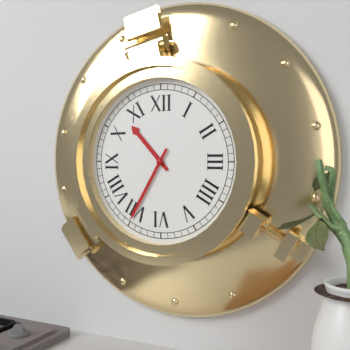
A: 10 h 35 min
